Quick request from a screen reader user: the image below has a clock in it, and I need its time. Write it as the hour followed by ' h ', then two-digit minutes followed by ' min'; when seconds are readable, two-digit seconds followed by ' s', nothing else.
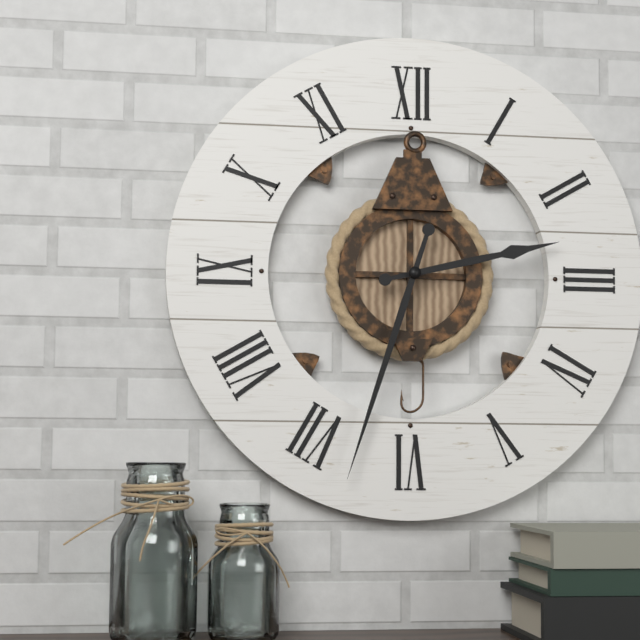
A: 2 h 33 min
